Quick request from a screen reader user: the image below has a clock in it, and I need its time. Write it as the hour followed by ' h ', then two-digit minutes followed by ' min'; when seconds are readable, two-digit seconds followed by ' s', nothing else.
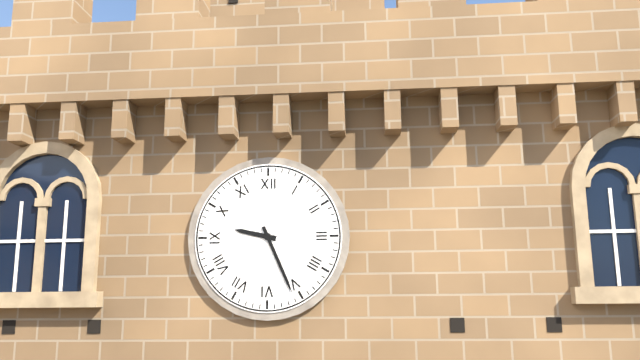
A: 9 h 26 min
